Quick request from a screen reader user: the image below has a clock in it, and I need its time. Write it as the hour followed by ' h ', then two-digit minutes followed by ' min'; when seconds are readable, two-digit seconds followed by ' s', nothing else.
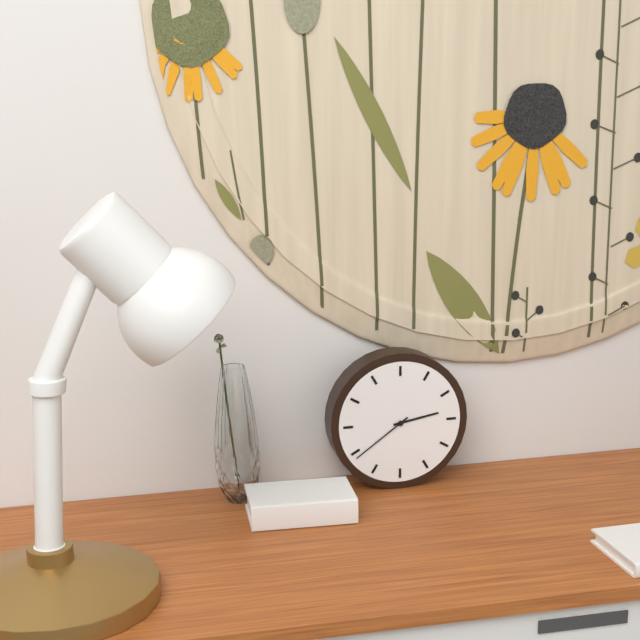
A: 2 h 39 min
